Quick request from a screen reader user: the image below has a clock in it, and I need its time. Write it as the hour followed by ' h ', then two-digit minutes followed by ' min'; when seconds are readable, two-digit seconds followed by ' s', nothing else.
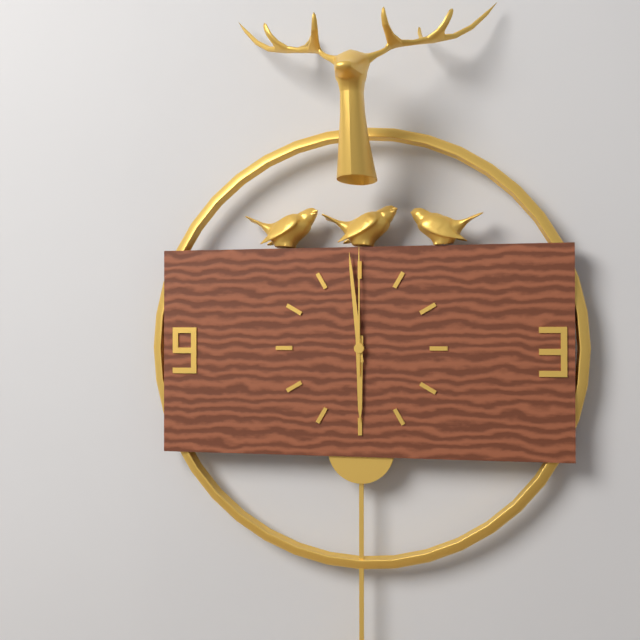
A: 5 h 59 min 00 s
